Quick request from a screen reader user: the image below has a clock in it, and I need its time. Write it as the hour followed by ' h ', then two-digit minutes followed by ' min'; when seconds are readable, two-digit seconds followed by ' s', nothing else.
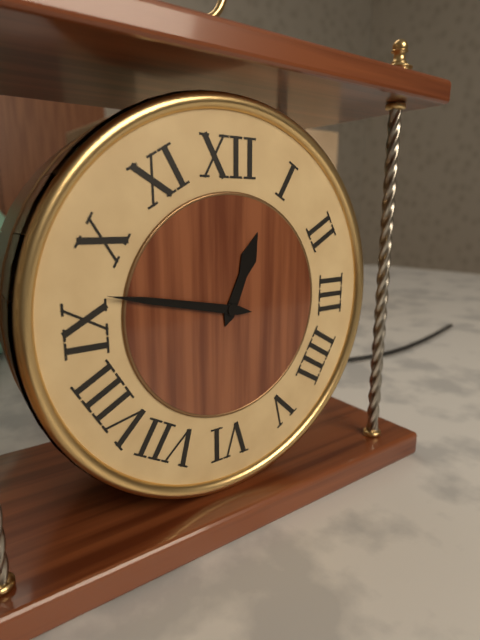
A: 12 h 47 min
